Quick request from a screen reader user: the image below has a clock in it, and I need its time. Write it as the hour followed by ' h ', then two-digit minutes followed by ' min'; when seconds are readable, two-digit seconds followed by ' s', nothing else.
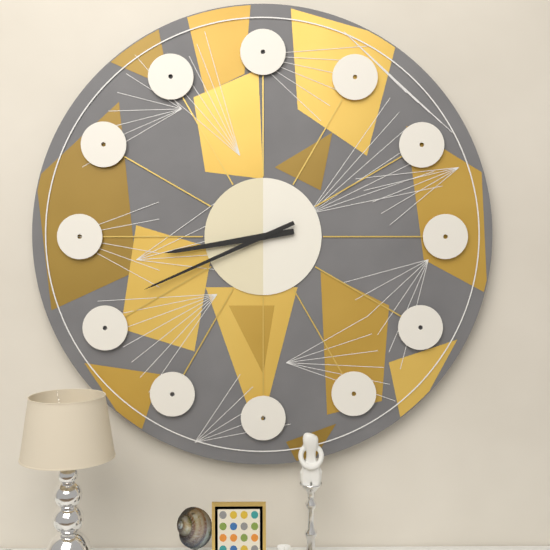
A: 8 h 41 min
